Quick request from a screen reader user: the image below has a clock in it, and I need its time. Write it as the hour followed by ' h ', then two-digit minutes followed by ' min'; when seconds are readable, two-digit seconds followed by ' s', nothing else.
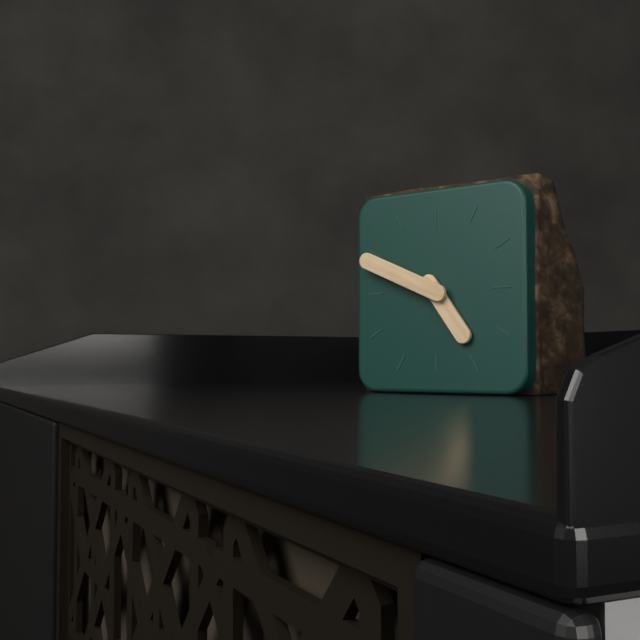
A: 4 h 49 min
